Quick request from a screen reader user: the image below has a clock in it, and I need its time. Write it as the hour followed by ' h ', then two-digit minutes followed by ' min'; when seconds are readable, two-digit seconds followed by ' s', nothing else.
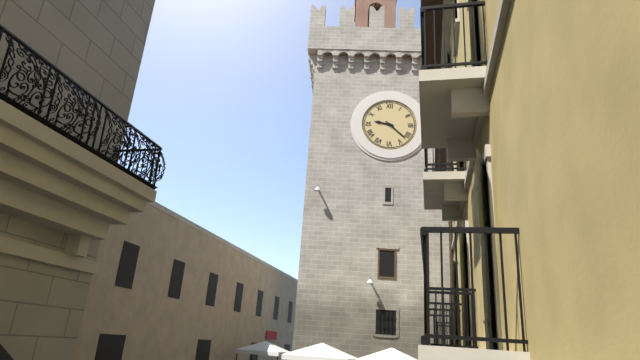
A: 9 h 22 min
